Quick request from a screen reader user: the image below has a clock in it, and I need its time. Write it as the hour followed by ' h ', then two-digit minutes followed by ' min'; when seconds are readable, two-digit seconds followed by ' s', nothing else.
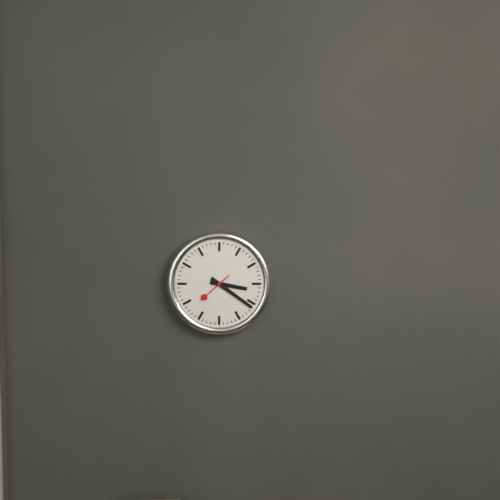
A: 3 h 21 min
